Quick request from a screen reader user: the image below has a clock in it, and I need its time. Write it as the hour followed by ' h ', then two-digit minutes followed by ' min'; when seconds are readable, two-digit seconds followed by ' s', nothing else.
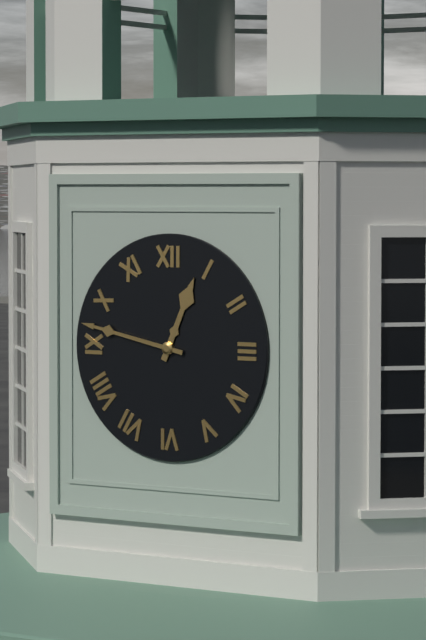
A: 12 h 47 min
